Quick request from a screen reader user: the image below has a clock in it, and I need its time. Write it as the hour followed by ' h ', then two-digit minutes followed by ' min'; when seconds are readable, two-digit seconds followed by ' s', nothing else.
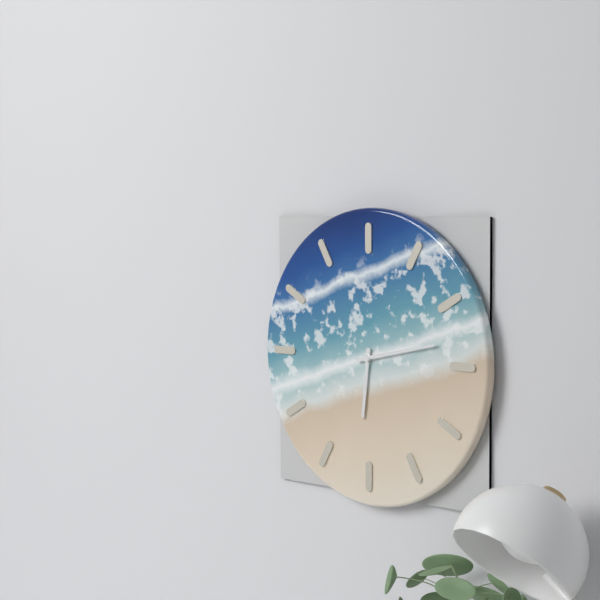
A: 6 h 13 min
